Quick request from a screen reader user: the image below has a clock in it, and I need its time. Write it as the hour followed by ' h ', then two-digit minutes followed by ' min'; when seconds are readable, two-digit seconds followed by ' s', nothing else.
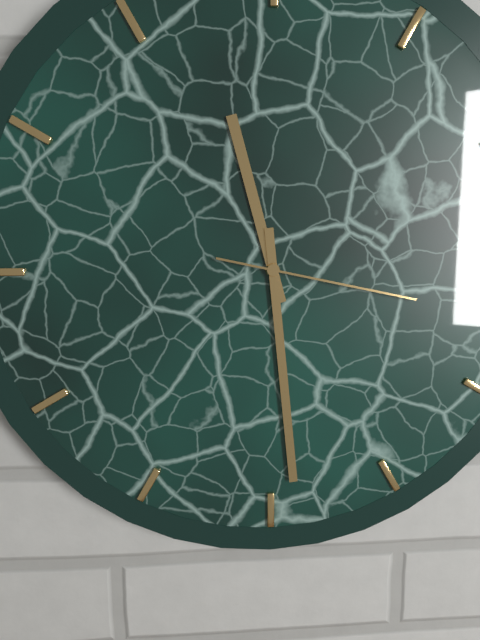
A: 11 h 29 min 17 s
